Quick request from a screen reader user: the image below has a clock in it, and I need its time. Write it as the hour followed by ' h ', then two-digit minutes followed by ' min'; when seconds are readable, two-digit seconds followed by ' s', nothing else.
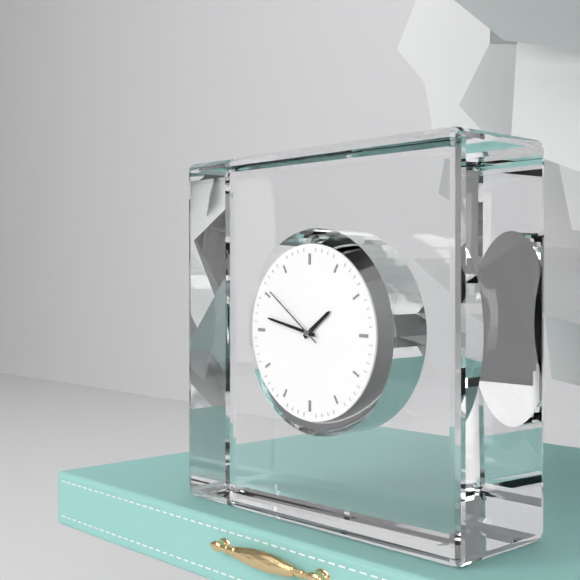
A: 1 h 47 min 51 s
